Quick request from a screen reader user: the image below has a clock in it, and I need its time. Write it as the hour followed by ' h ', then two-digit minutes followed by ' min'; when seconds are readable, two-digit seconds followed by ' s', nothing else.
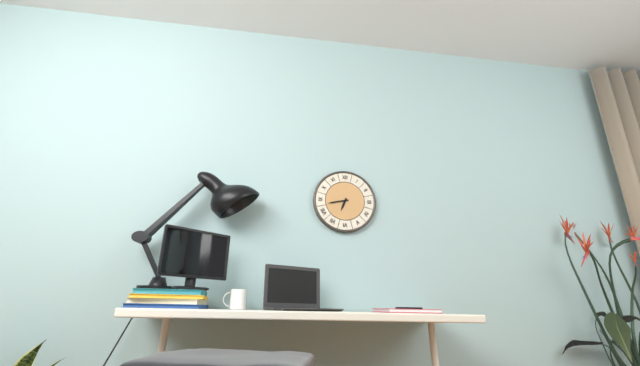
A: 6 h 43 min
